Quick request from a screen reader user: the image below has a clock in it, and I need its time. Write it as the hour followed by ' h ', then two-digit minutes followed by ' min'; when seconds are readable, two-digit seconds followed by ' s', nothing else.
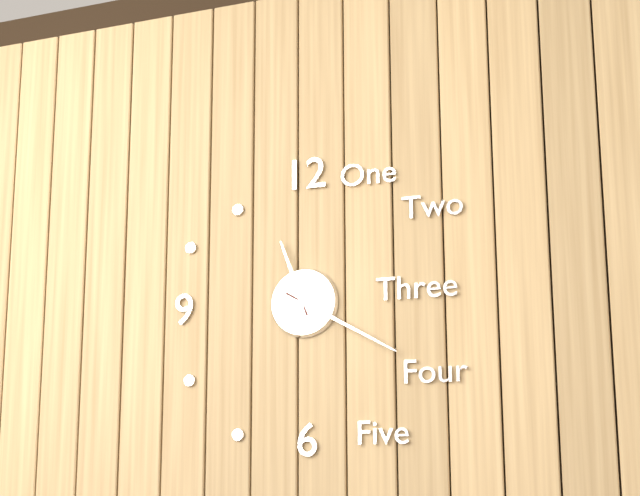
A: 11 h 20 min
